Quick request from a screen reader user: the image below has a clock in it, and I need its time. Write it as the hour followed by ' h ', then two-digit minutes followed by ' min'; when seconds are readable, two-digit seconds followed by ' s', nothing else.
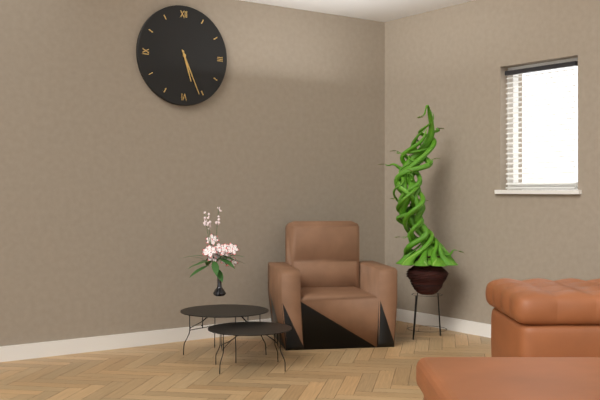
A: 5 h 26 min
